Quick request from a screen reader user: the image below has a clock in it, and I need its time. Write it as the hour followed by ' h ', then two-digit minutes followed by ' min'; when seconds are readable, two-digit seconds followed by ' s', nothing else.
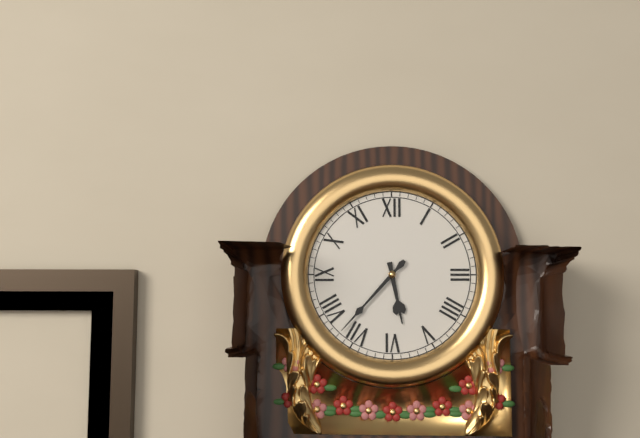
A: 5 h 37 min
